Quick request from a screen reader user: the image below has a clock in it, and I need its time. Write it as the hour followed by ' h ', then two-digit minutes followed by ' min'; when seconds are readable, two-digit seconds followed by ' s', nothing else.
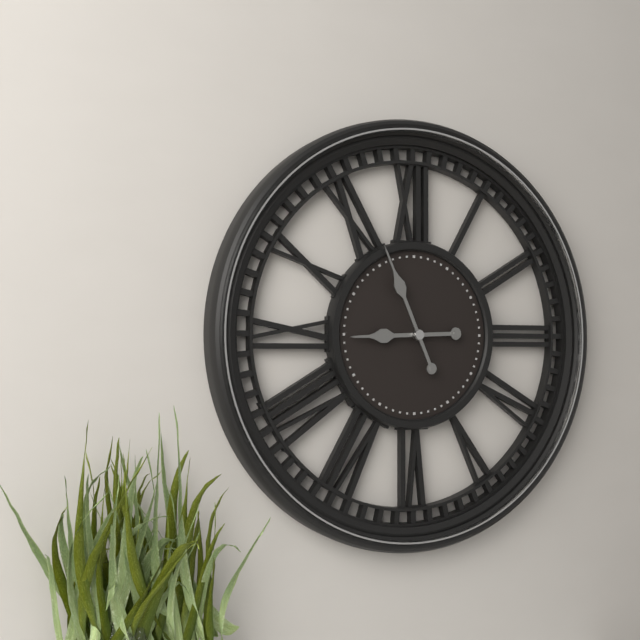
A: 8 h 56 min
